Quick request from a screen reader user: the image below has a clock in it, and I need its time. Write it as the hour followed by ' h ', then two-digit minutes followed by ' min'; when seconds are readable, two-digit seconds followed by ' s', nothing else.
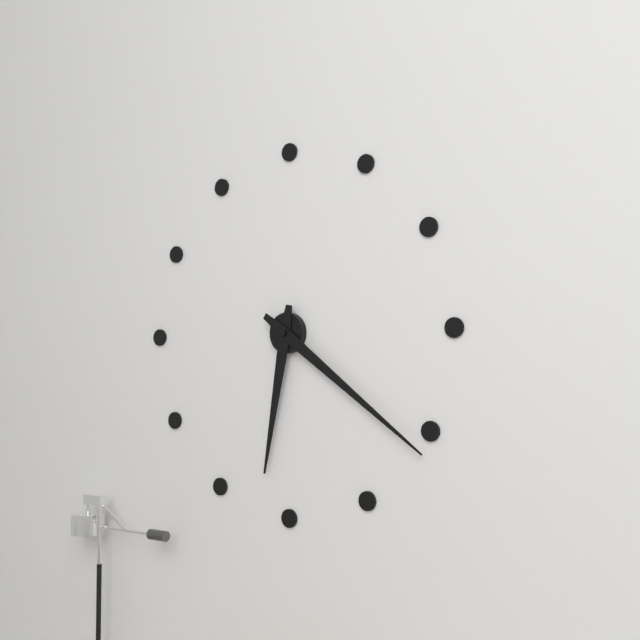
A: 6 h 21 min
